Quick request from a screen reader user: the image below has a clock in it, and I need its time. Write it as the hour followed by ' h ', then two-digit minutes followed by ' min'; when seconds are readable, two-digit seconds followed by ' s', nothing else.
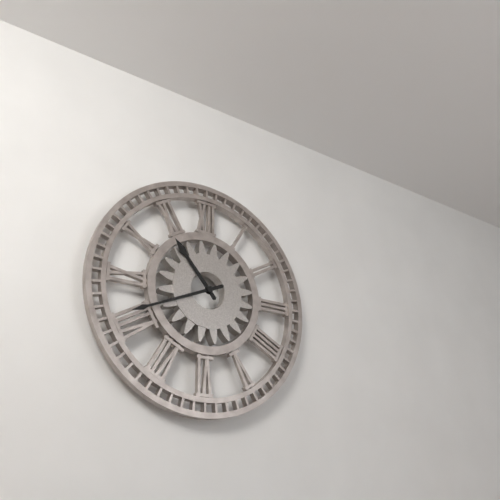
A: 10 h 41 min
